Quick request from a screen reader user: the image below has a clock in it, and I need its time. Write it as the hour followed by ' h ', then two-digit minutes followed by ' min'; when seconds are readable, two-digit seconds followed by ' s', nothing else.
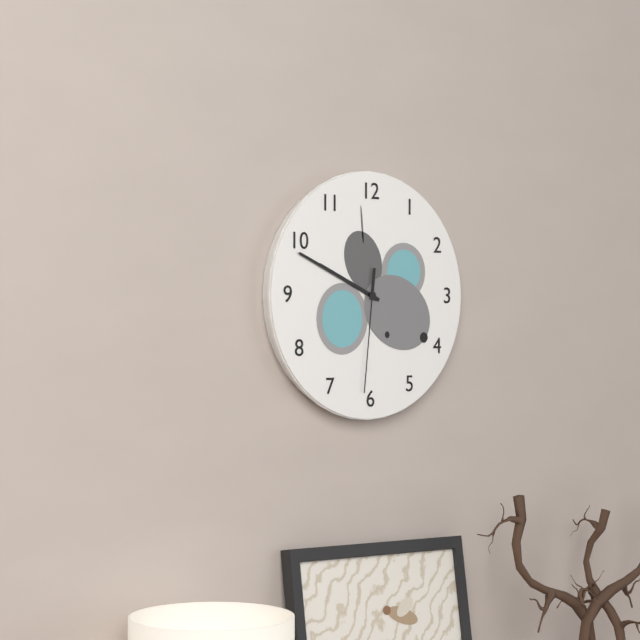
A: 9 h 49 min 31 s
